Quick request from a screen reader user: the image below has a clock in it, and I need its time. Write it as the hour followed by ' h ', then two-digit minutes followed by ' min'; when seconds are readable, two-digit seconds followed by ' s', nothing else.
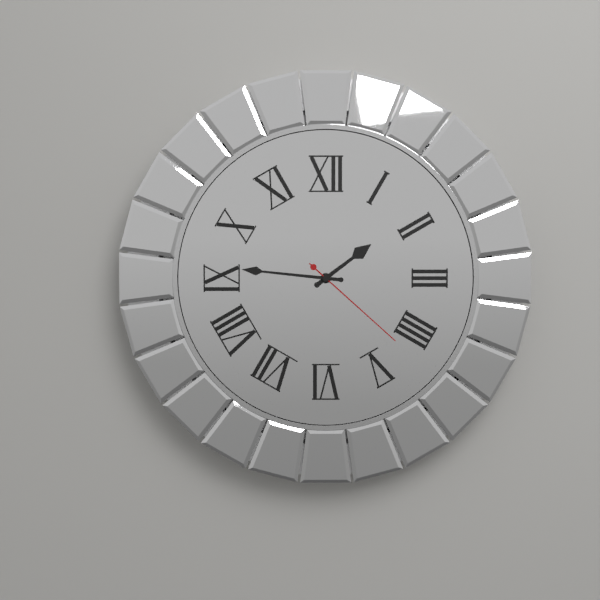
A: 1 h 46 min 22 s
